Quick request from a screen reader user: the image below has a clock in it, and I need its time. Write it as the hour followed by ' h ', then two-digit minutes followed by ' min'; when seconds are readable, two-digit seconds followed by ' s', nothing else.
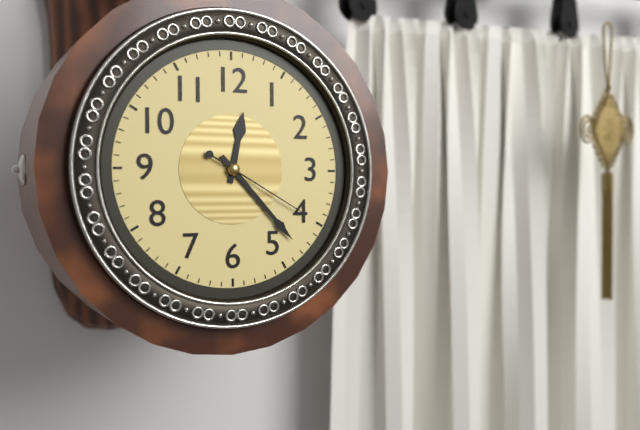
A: 12 h 23 min 20 s
